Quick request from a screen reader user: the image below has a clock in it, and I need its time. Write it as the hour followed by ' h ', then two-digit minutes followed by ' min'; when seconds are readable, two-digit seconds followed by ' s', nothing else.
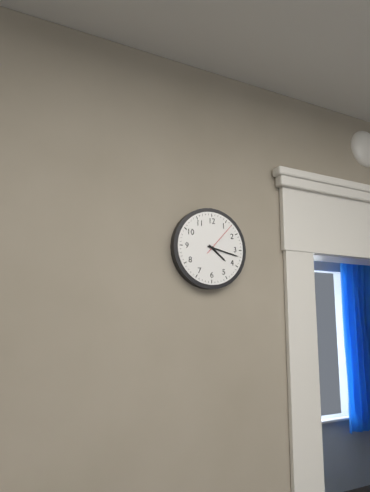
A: 4 h 17 min
